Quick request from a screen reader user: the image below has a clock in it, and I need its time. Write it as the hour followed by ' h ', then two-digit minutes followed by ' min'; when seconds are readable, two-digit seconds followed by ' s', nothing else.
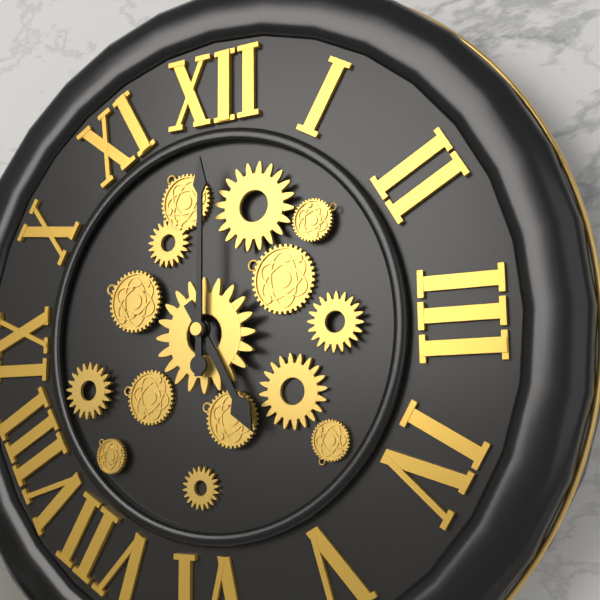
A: 5 h 00 min
